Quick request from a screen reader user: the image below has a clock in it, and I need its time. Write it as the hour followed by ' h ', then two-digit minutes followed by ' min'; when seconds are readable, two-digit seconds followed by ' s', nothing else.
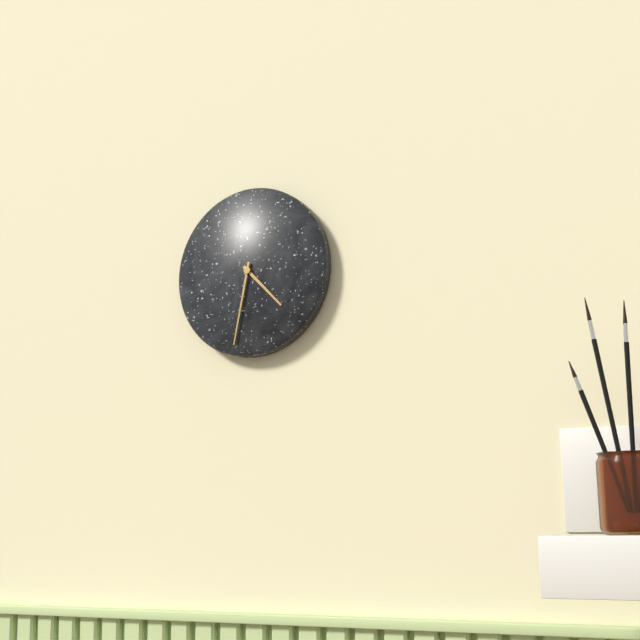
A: 4 h 32 min
